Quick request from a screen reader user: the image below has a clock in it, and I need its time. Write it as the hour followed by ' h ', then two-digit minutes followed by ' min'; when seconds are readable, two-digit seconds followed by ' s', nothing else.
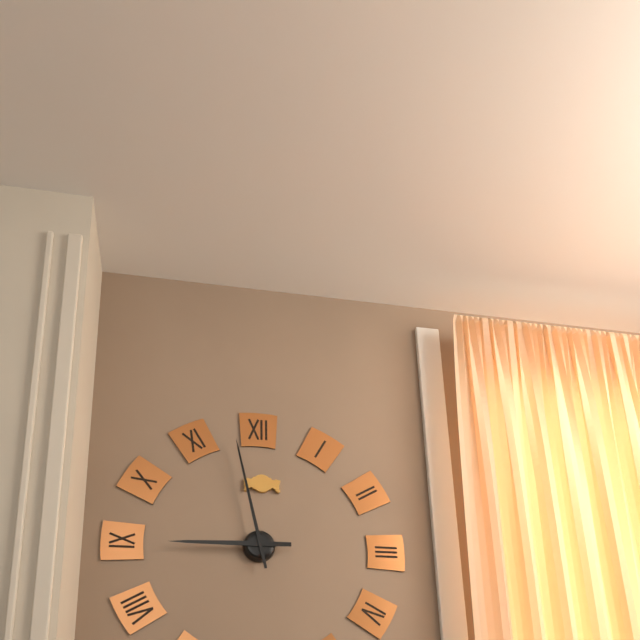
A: 8 h 58 min
